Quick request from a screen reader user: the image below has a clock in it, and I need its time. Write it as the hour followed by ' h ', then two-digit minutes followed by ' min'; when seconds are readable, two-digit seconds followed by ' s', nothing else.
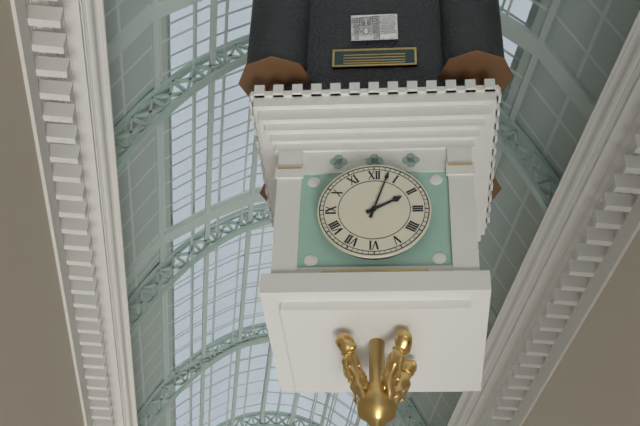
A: 2 h 03 min
